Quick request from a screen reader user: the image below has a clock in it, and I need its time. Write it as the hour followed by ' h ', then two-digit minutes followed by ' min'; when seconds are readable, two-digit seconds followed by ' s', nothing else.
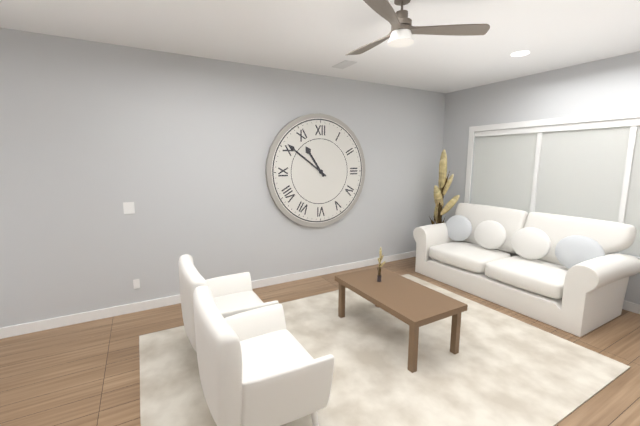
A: 10 h 51 min
